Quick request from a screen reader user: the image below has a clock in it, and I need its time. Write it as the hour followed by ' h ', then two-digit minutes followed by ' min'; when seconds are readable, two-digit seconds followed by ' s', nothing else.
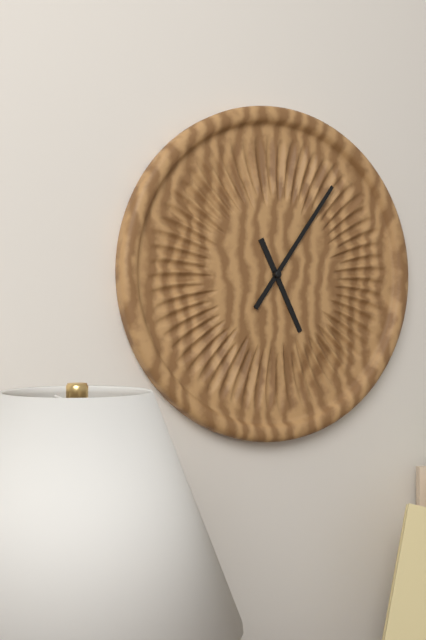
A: 5 h 06 min
